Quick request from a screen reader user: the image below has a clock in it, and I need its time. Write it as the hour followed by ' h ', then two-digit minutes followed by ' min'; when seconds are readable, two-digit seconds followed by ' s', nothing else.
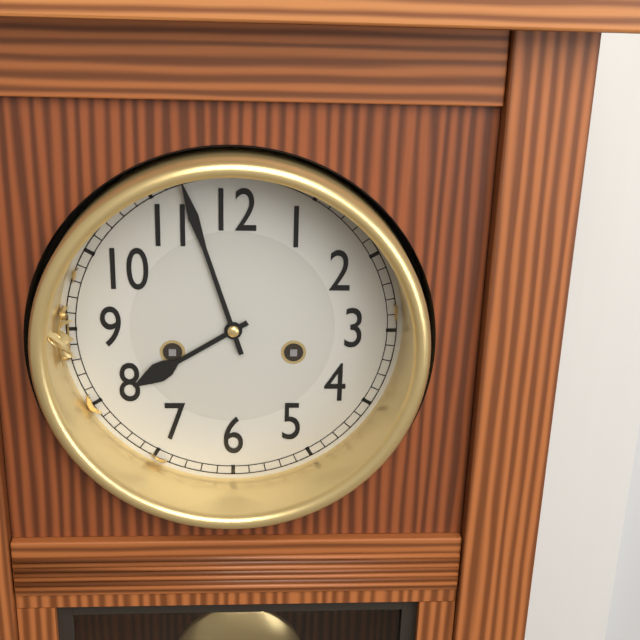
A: 7 h 57 min
